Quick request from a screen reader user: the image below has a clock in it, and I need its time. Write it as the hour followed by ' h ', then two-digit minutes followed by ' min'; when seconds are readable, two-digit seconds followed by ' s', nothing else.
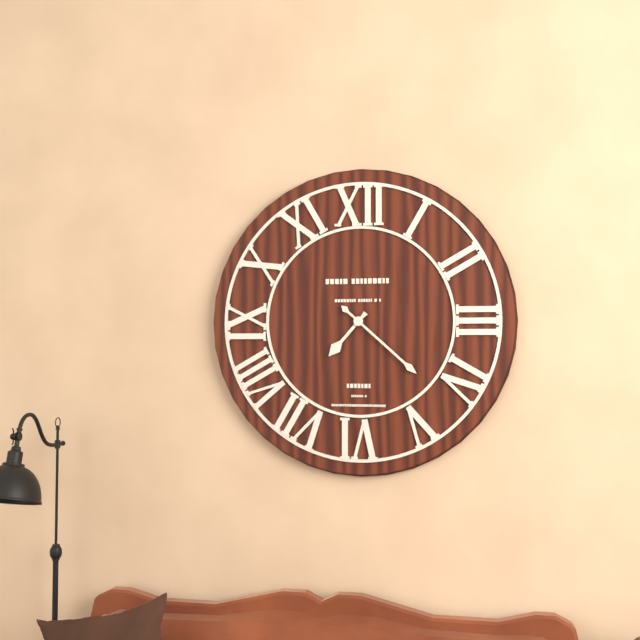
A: 7 h 22 min
